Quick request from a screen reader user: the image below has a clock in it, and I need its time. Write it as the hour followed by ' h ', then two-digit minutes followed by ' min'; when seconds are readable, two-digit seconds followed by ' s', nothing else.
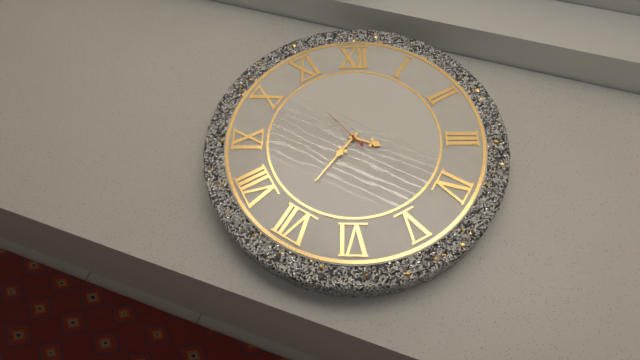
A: 3 h 36 min
